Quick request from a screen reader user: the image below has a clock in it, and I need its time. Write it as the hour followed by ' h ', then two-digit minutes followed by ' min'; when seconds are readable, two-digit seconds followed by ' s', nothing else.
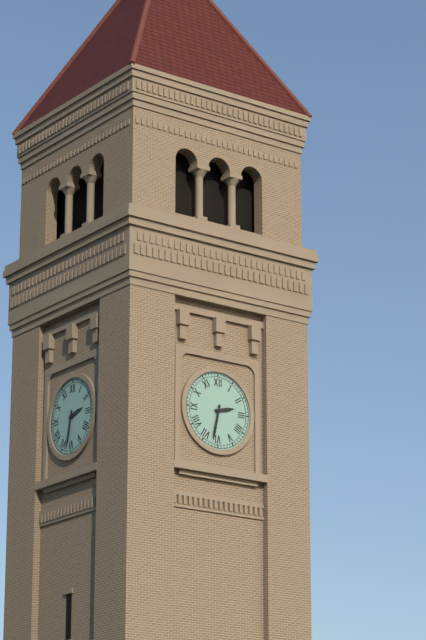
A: 2 h 32 min
